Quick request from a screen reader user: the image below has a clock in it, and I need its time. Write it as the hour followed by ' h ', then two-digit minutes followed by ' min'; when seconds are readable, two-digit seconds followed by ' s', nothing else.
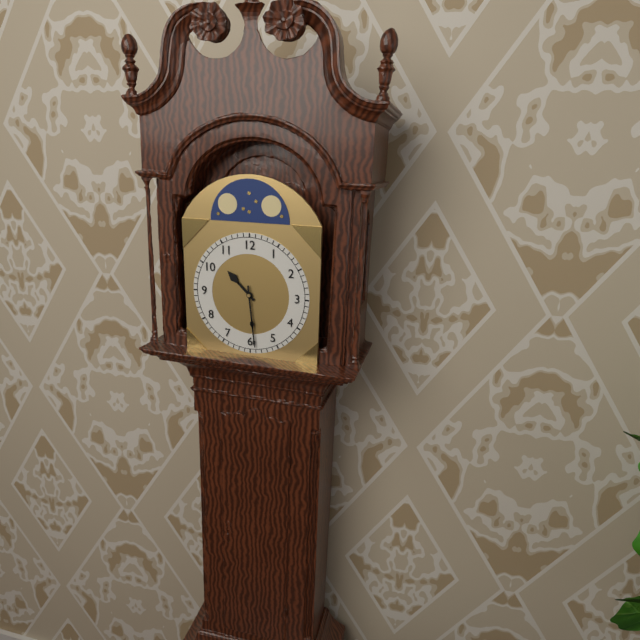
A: 10 h 29 min
